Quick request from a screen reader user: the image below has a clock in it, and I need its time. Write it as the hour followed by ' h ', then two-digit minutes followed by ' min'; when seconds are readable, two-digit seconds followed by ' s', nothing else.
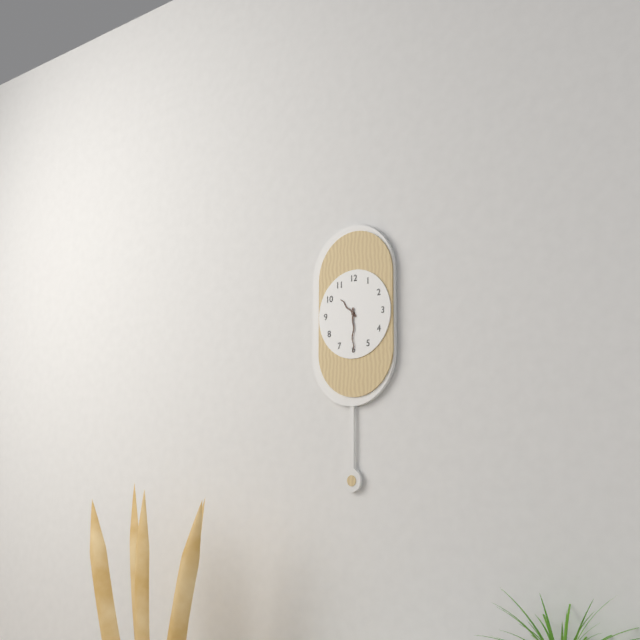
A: 10 h 30 min
